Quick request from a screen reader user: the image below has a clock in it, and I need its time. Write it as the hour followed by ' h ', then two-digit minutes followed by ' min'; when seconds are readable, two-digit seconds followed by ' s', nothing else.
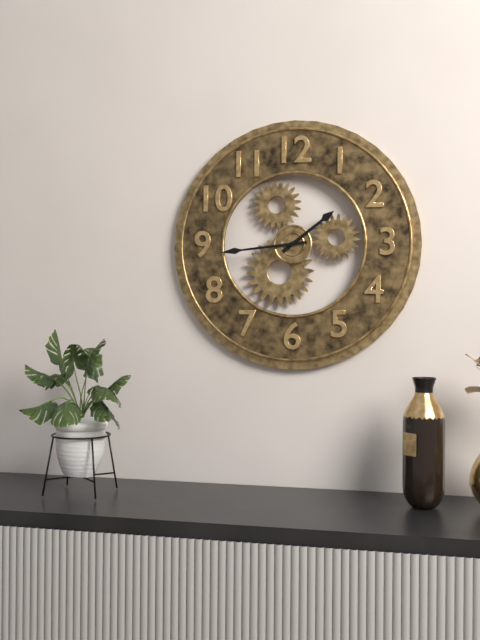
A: 1 h 44 min
